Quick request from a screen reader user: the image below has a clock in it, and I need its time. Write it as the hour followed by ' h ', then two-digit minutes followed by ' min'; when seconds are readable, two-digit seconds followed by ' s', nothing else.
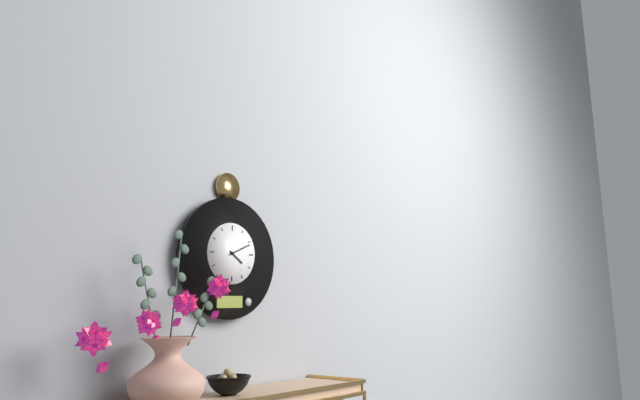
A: 4 h 11 min
